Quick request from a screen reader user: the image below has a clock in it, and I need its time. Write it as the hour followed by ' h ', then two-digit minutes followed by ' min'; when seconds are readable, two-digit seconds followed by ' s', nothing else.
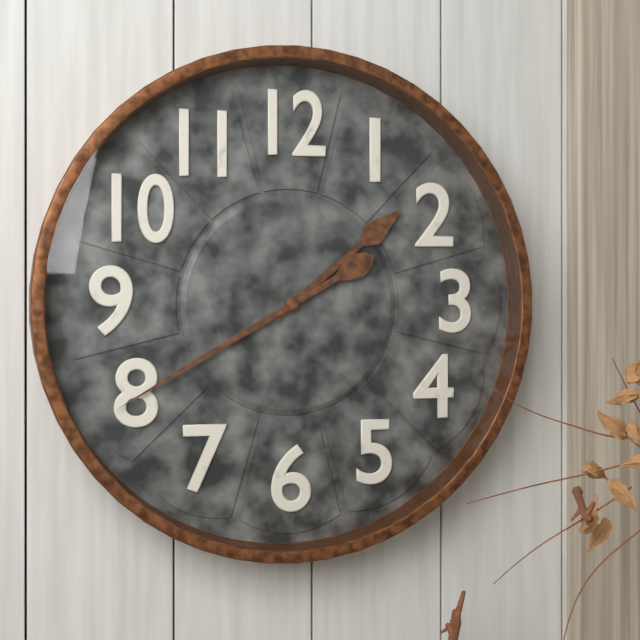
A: 1 h 40 min
